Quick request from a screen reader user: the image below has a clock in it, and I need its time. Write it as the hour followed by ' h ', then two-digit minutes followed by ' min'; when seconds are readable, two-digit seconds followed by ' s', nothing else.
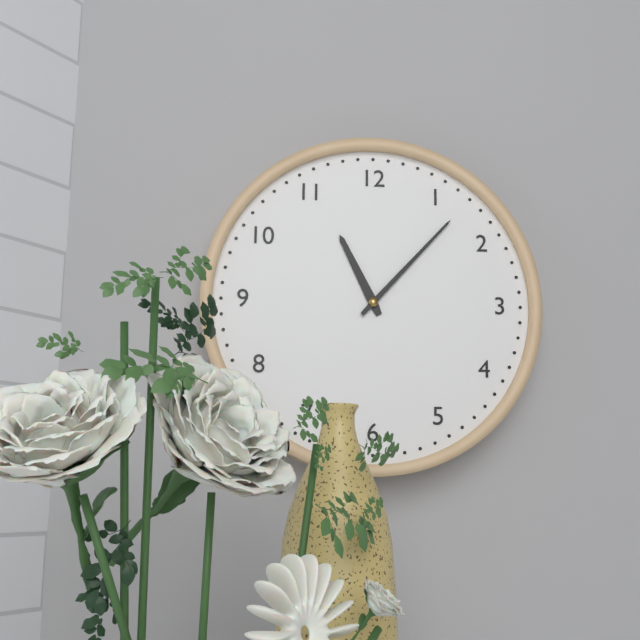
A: 11 h 07 min
